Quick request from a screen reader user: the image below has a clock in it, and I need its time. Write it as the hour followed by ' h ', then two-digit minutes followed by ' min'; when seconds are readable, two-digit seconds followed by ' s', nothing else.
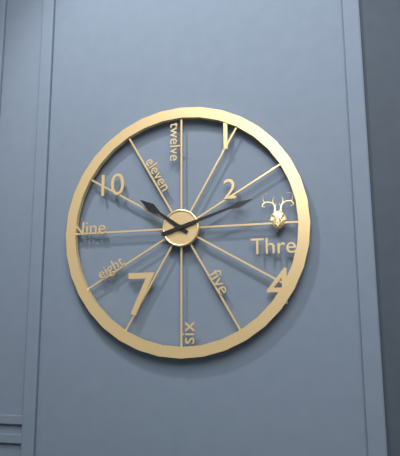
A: 10 h 12 min
